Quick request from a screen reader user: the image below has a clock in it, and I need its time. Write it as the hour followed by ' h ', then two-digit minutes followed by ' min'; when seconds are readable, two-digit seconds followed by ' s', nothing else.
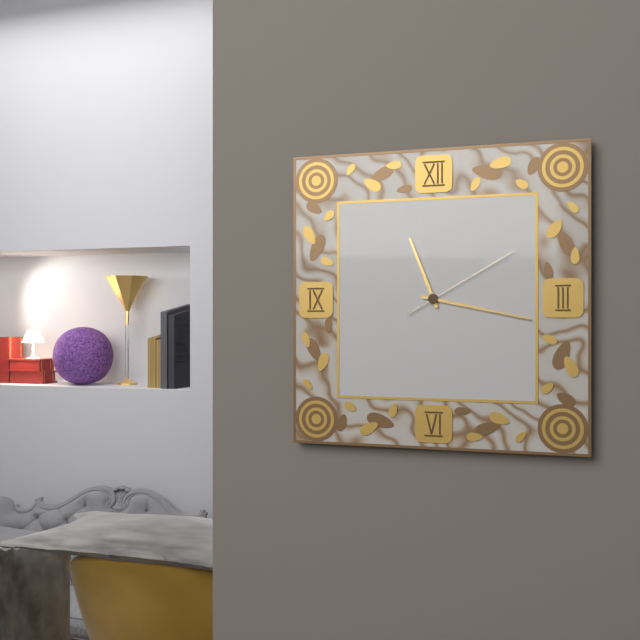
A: 11 h 17 min 10 s
